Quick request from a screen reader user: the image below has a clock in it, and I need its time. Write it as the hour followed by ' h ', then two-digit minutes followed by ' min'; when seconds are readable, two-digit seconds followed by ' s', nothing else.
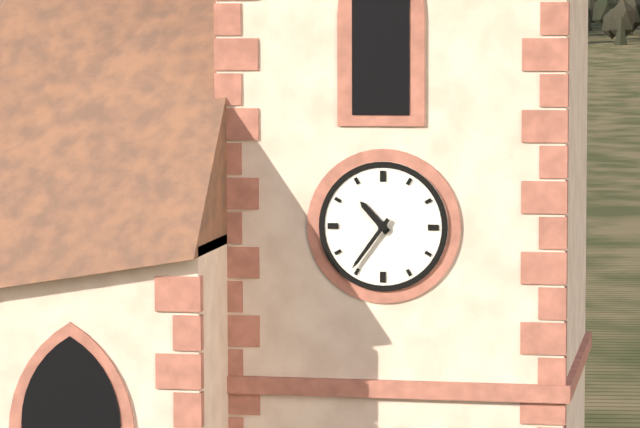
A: 10 h 36 min
